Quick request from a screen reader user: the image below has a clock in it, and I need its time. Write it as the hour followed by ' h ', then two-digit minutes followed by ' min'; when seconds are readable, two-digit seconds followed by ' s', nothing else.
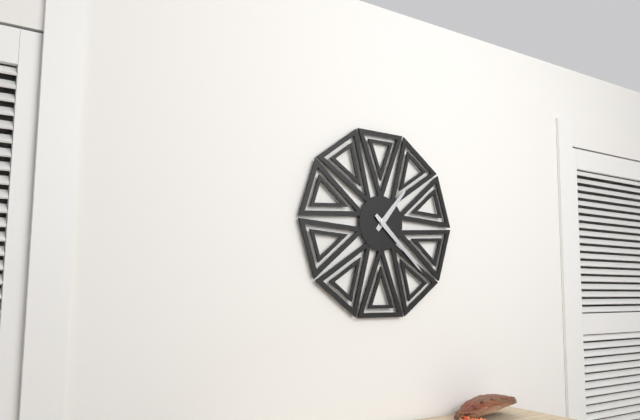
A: 1 h 22 min
